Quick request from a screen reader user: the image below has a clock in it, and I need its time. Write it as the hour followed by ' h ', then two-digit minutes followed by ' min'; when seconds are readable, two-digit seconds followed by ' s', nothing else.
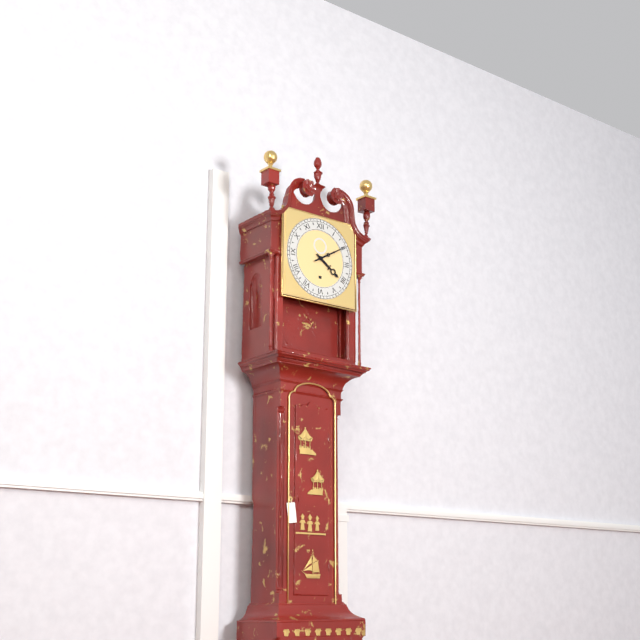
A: 4 h 10 min
